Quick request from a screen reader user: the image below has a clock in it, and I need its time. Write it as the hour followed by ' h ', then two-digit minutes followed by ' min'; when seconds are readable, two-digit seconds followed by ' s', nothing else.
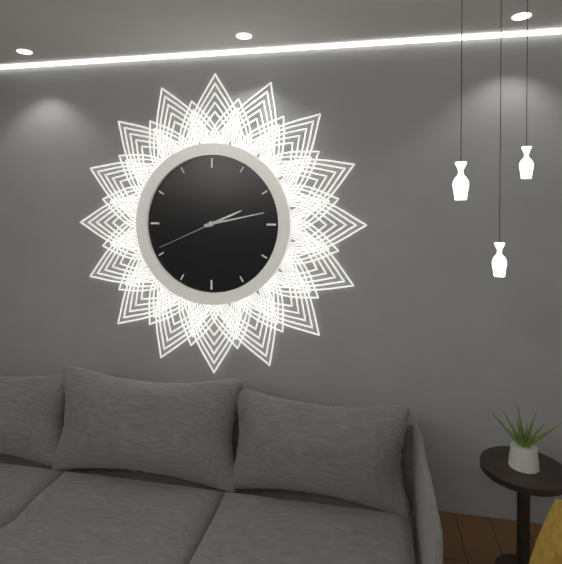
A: 2 h 13 min 41 s
